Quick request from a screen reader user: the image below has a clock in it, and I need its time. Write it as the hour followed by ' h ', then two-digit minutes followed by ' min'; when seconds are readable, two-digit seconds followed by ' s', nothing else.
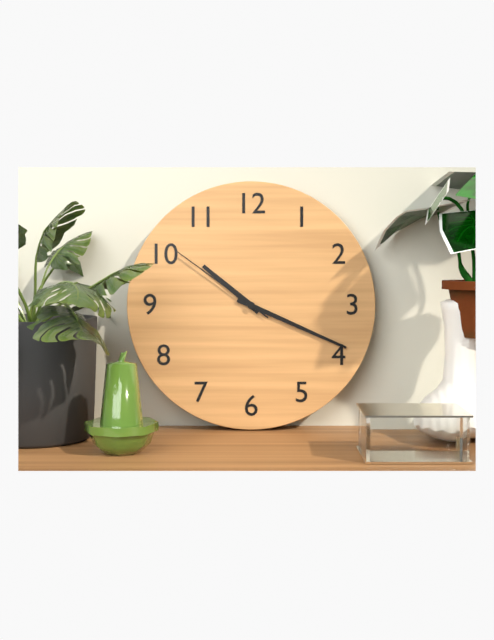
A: 10 h 19 min 51 s
